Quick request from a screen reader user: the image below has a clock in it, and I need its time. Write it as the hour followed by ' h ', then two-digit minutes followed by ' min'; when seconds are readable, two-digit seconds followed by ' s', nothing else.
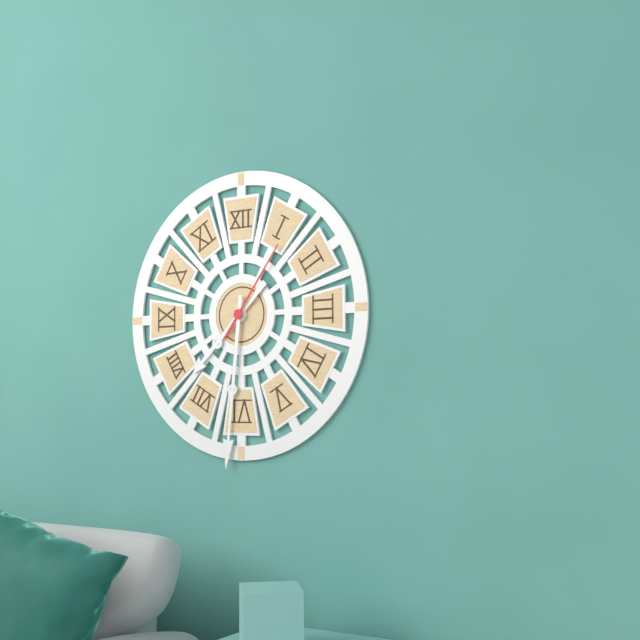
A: 7 h 31 min 06 s
